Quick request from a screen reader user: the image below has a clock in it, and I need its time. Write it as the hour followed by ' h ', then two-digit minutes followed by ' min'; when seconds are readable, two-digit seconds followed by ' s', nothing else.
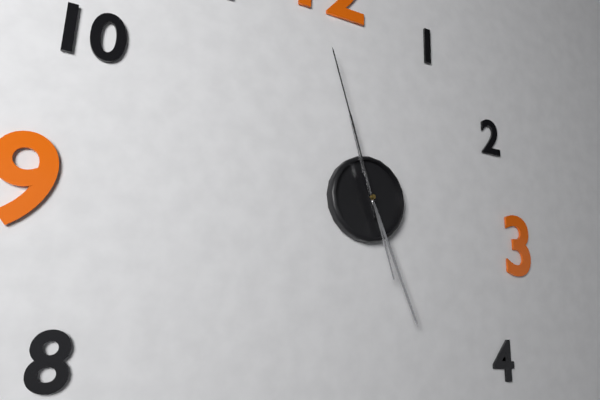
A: 11 h 26 min 57 s
